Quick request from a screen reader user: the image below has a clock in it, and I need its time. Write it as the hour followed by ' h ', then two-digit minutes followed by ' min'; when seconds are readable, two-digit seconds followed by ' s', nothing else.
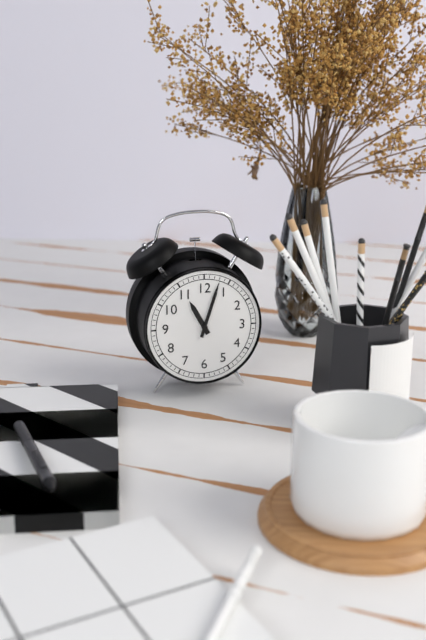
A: 11 h 03 min
